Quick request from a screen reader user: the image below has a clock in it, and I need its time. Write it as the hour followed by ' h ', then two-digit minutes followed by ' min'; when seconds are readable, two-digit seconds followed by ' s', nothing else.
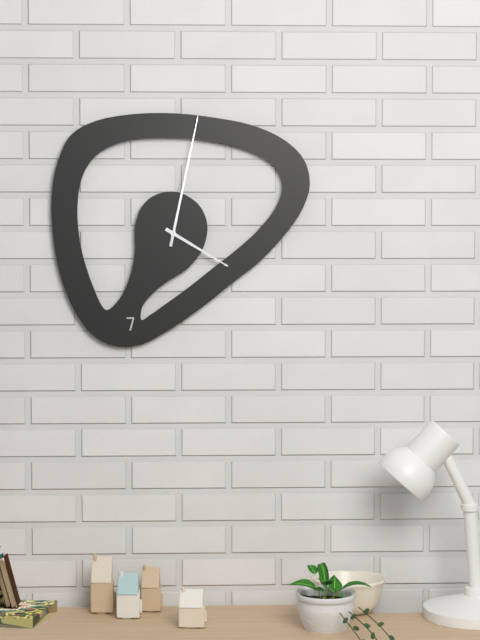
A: 4 h 02 min
